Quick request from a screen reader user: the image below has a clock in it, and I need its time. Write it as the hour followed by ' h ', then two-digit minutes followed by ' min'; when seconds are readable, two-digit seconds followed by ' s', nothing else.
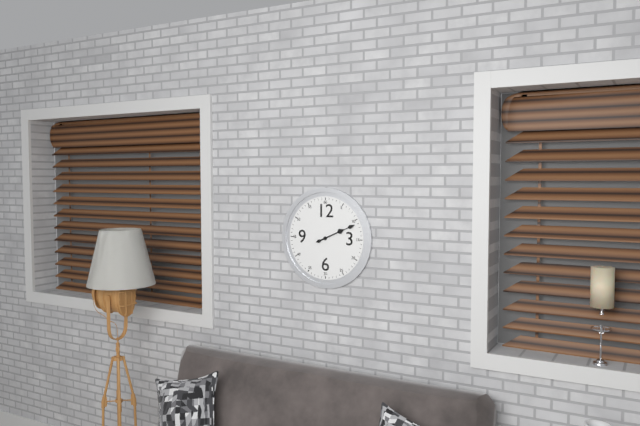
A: 2 h 11 min
